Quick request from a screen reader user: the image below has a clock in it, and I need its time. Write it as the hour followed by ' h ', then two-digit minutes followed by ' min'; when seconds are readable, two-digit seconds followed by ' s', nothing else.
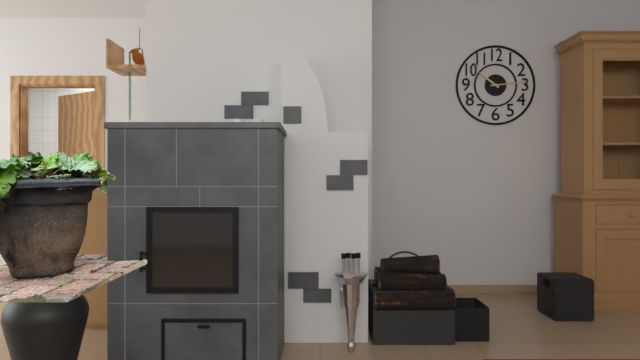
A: 10 h 14 min
